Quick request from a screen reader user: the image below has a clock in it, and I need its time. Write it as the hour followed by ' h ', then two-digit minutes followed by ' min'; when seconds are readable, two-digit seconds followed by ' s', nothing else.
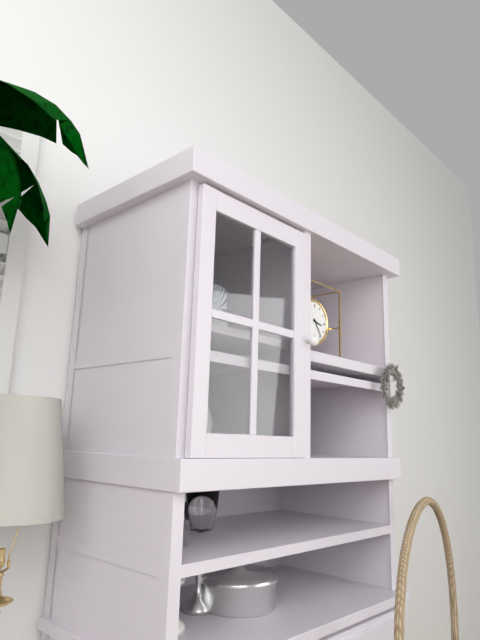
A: 3 h 24 min
